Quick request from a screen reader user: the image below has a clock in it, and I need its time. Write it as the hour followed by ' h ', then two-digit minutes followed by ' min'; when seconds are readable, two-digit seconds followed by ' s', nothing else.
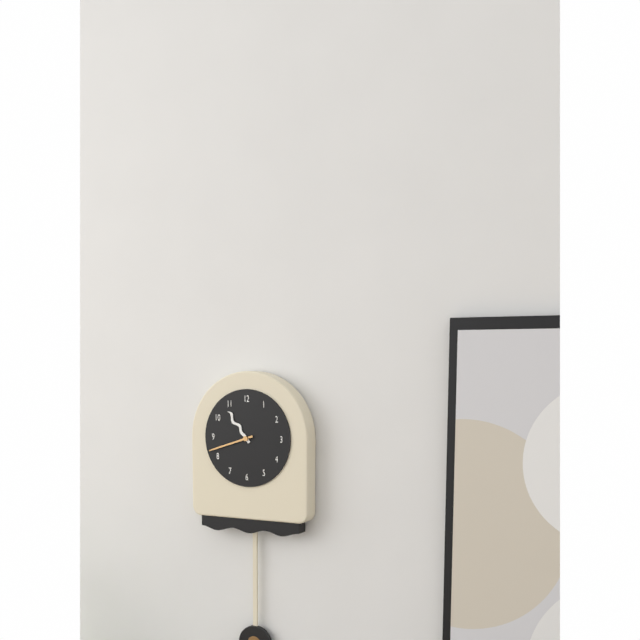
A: 10 h 42 min
